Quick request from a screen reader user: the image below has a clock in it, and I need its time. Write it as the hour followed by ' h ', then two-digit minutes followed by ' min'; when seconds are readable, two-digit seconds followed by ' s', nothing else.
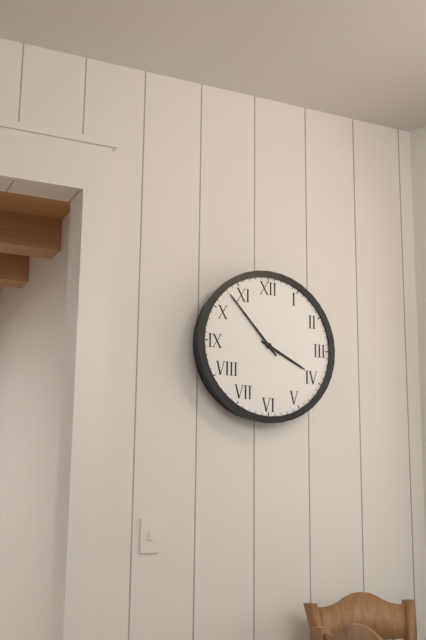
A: 3 h 53 min
